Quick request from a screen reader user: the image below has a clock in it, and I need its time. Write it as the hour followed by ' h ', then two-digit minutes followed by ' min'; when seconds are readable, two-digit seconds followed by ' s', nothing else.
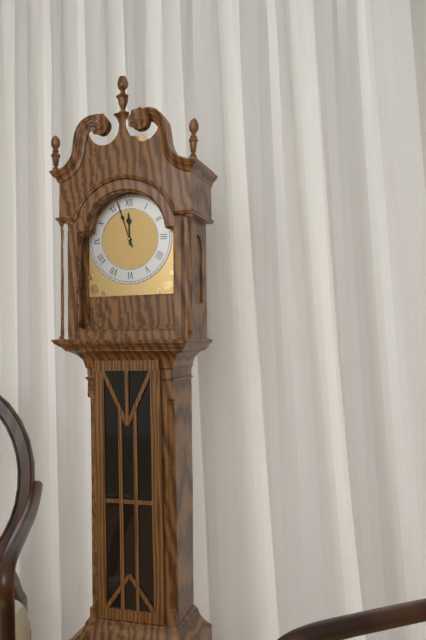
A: 11 h 57 min
